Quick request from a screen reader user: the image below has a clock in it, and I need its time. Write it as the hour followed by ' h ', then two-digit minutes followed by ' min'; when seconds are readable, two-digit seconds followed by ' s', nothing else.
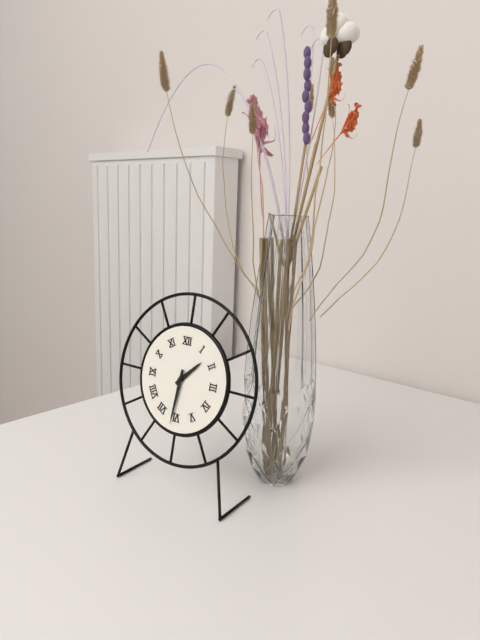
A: 1 h 31 min
